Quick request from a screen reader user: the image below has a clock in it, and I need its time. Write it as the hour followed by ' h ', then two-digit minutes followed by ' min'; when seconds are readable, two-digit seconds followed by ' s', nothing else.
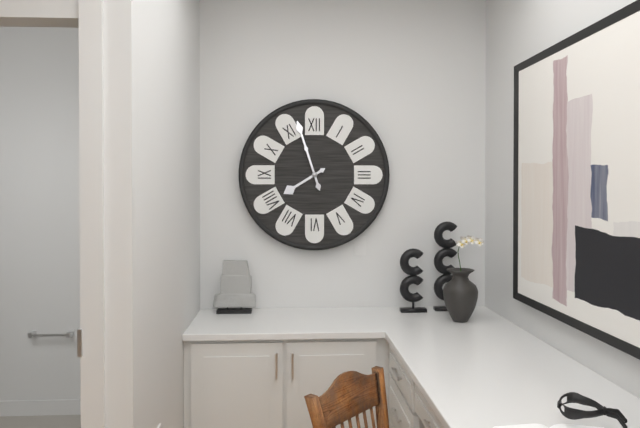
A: 7 h 57 min
